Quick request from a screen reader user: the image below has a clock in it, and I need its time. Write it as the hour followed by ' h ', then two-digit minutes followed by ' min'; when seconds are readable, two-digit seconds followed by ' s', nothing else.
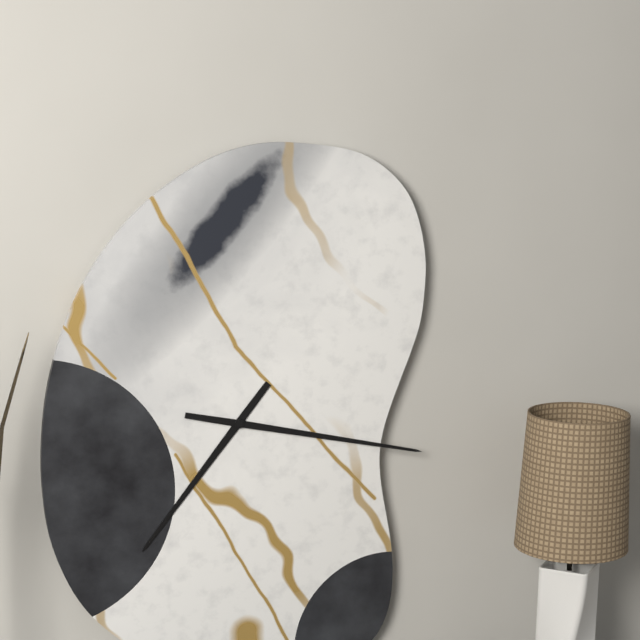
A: 7 h 17 min
